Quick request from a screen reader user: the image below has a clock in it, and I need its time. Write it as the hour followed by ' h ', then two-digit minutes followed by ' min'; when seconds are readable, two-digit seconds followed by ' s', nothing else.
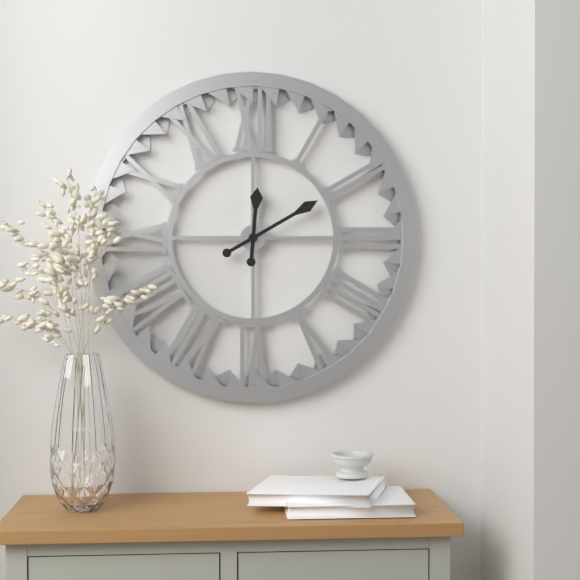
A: 12 h 10 min
